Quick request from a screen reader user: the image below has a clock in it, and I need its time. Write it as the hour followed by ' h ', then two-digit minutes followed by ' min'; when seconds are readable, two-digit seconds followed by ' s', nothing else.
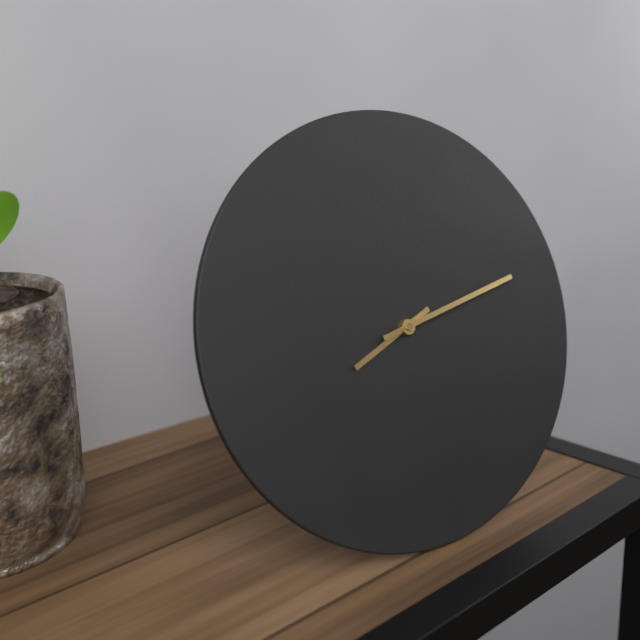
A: 8 h 13 min
